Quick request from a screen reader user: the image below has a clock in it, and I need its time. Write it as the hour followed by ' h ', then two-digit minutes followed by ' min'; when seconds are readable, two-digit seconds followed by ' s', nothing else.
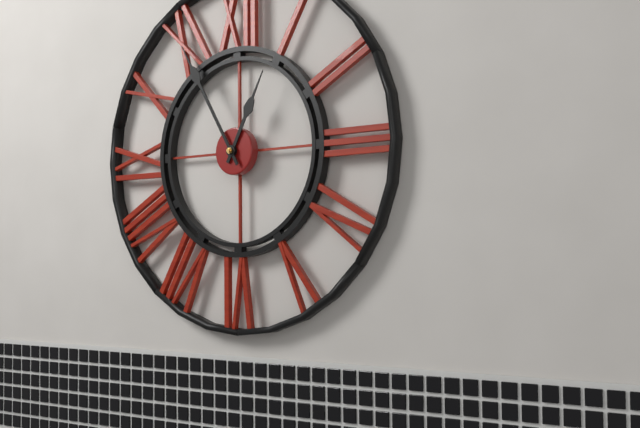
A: 12 h 55 min
